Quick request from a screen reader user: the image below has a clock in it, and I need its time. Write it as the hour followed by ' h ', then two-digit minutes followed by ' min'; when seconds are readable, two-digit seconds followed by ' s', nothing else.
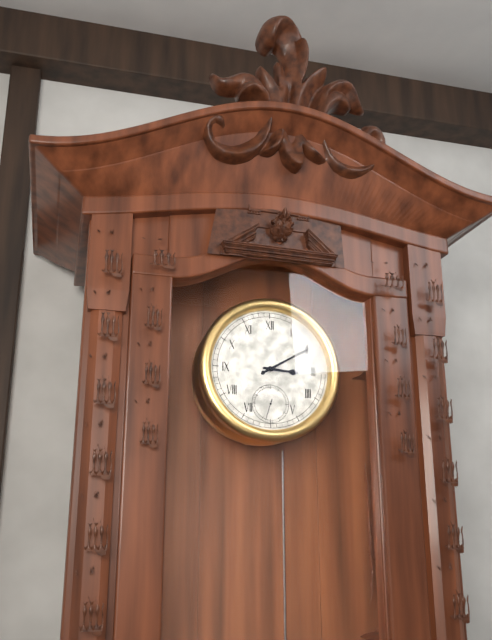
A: 3 h 10 min
